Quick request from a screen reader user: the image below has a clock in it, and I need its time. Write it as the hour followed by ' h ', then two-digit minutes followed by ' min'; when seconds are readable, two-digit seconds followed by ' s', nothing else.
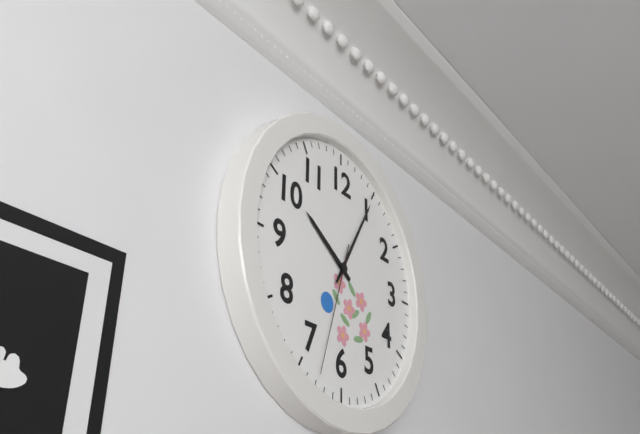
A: 10 h 05 min 33 s
